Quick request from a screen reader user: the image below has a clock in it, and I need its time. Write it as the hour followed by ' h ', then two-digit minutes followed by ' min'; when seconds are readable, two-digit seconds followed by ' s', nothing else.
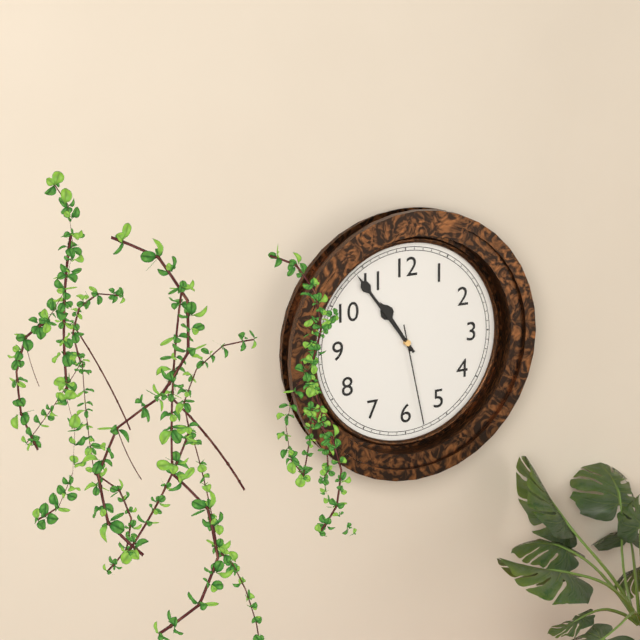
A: 10 h 54 min 28 s
